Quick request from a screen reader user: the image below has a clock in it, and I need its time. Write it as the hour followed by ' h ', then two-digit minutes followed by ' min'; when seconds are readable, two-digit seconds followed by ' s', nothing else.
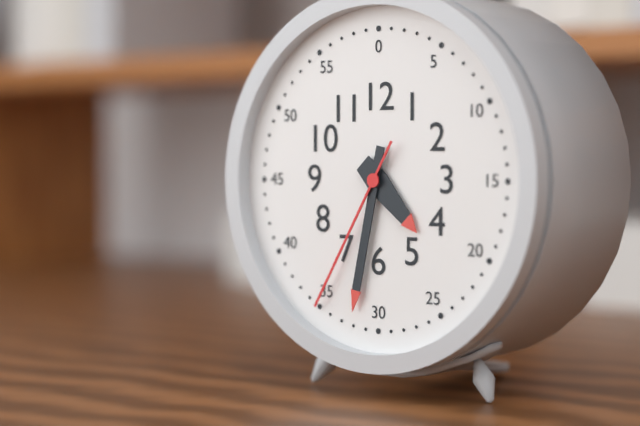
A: 4 h 32 min 35 s
